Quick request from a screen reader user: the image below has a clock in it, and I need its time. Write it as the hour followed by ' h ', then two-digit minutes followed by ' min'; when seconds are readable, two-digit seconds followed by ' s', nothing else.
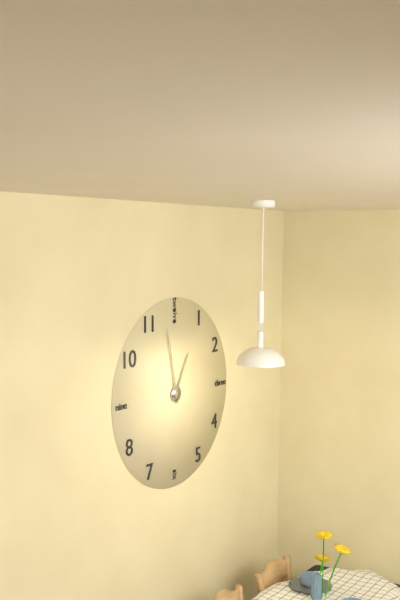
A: 12 h 58 min
